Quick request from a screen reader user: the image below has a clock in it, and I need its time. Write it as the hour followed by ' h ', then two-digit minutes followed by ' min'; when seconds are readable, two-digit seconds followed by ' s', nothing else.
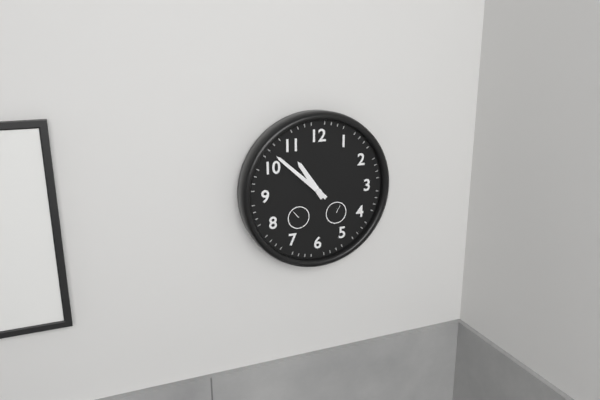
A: 10 h 52 min
